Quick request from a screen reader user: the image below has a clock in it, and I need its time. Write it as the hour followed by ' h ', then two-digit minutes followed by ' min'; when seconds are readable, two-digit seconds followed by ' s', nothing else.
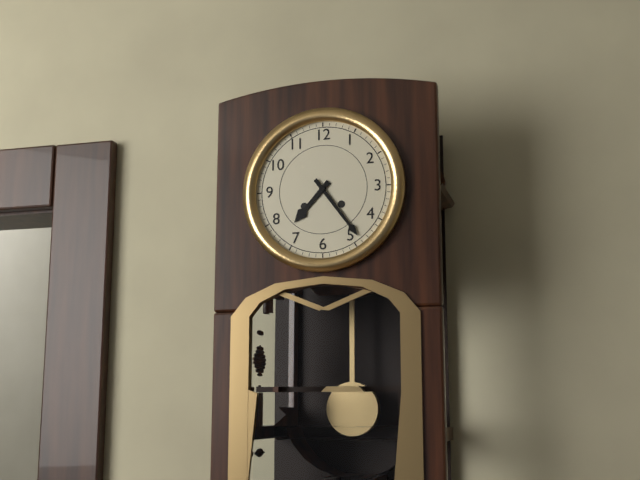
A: 7 h 24 min
